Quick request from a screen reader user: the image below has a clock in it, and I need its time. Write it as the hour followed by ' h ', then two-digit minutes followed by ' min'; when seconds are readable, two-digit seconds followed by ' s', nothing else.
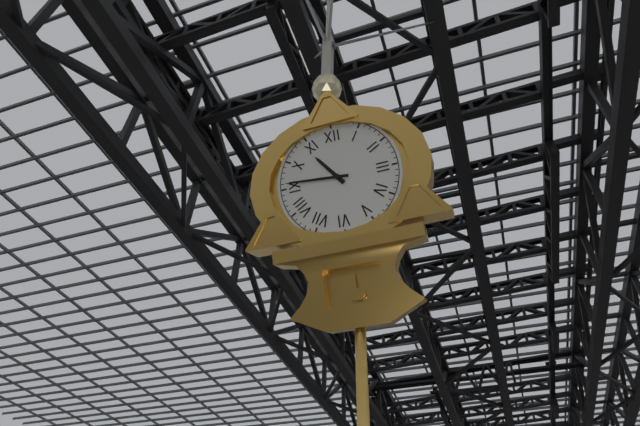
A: 10 h 46 min
